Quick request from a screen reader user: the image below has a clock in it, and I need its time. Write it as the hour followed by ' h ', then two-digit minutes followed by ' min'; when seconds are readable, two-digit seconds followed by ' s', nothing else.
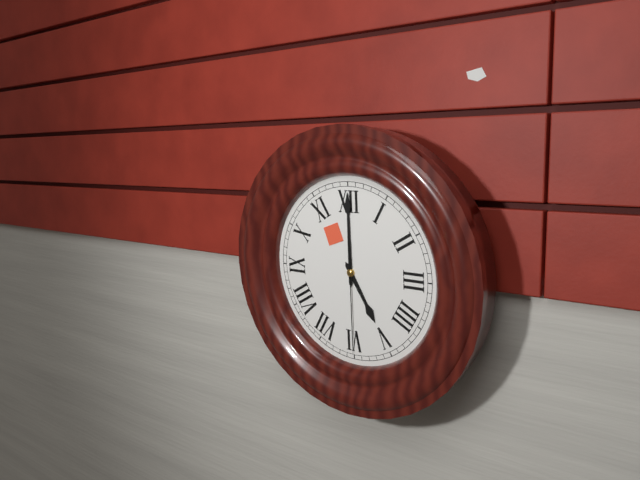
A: 5 h 00 min 30 s
